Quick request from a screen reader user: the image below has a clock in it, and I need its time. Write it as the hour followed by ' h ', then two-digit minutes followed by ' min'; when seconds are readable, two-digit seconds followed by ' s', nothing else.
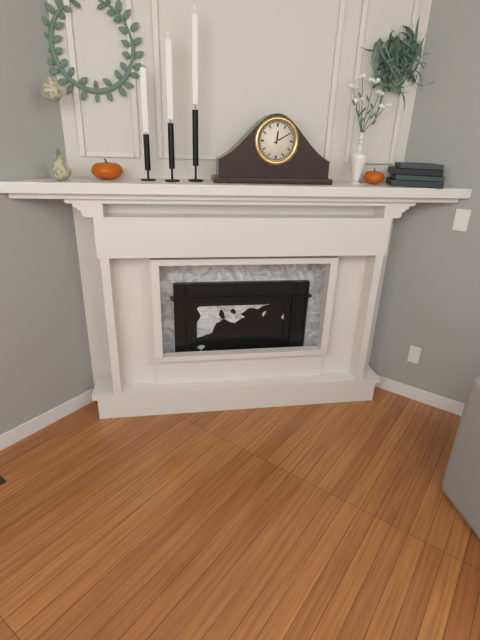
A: 12 h 10 min
